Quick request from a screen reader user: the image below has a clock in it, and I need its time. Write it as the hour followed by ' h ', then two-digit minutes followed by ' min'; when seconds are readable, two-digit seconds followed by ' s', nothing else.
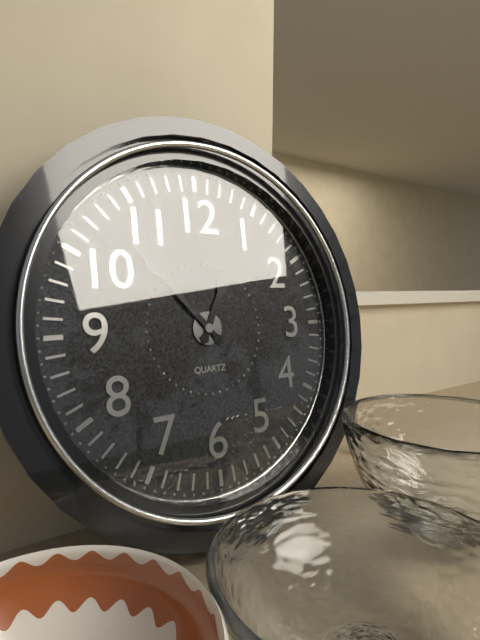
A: 12 h 53 min
